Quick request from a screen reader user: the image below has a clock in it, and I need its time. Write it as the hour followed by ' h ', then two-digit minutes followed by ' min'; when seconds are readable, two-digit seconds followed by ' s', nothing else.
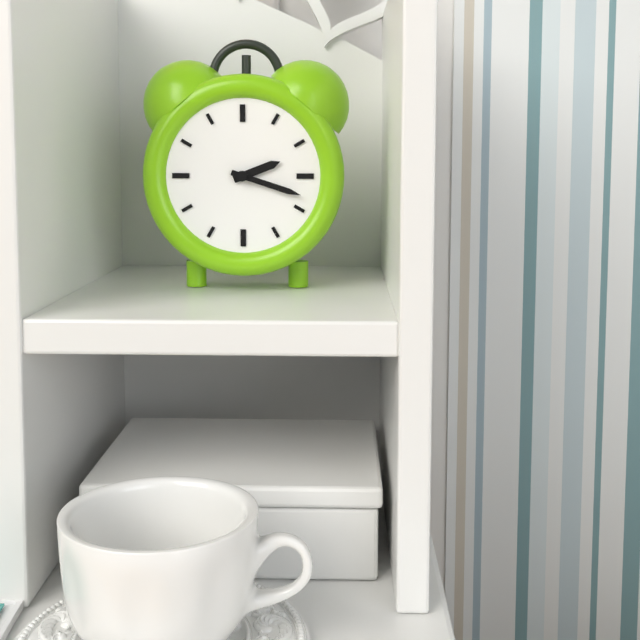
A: 2 h 18 min
